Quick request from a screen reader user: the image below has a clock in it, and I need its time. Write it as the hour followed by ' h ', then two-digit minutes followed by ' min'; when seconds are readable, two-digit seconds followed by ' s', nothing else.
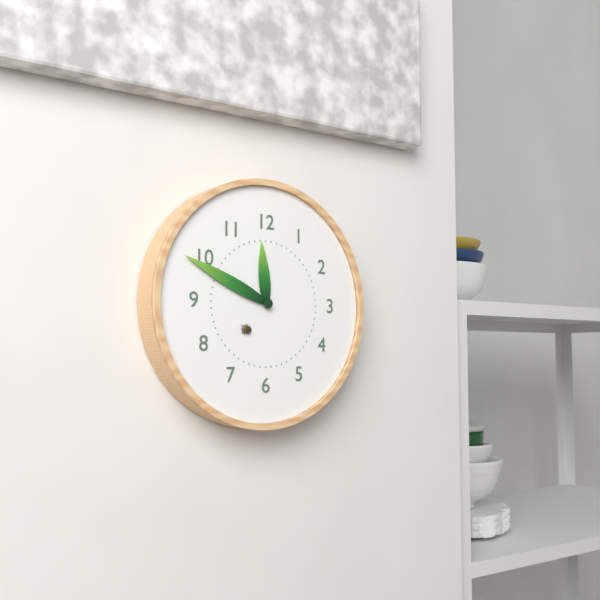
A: 11 h 49 min
